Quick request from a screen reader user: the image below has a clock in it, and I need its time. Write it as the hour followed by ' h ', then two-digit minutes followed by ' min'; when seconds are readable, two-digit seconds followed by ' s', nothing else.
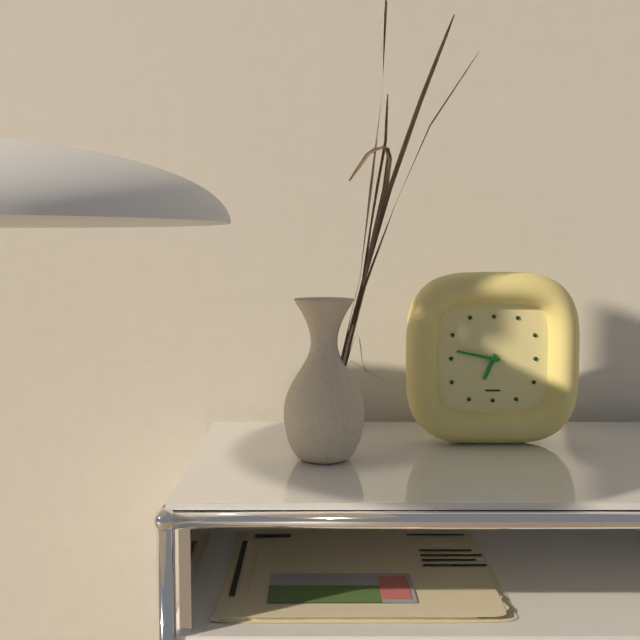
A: 6 h 47 min
